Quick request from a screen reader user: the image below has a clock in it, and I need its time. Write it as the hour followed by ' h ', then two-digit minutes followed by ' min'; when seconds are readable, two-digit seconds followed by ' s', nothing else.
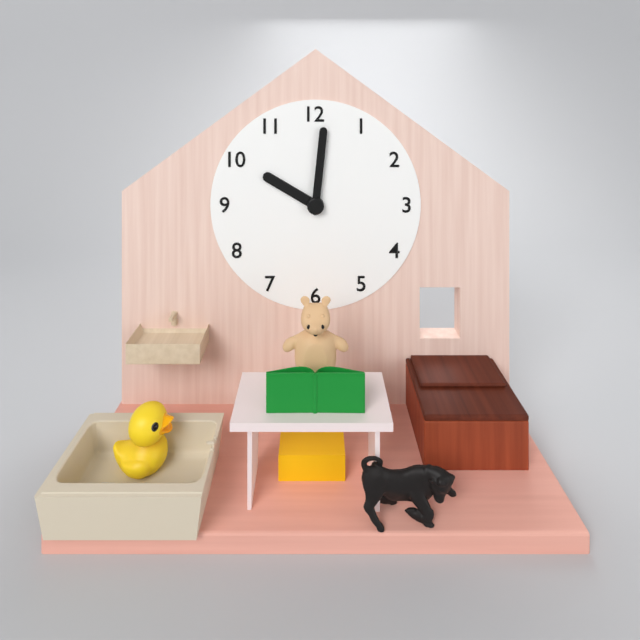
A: 10 h 01 min
